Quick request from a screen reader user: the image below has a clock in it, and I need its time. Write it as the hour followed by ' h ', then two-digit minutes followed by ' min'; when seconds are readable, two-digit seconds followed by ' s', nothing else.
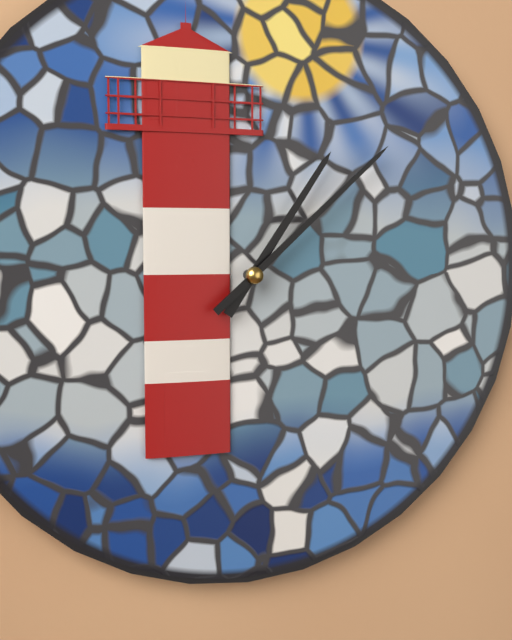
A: 1 h 08 min
